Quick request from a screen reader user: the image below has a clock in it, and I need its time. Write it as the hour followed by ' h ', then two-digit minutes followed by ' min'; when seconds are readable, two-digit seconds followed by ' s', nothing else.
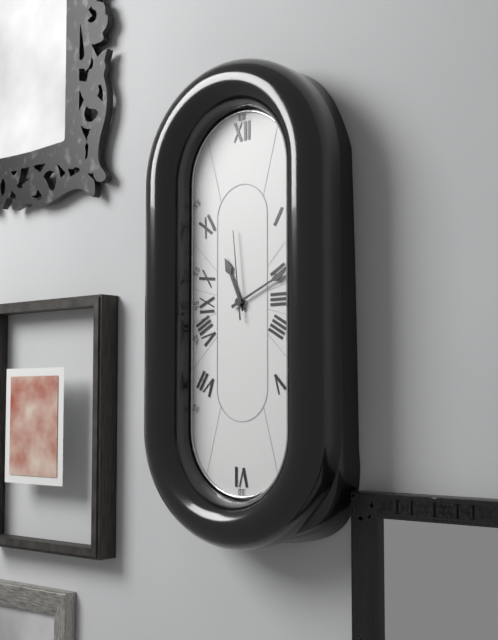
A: 11 h 11 min 59 s
